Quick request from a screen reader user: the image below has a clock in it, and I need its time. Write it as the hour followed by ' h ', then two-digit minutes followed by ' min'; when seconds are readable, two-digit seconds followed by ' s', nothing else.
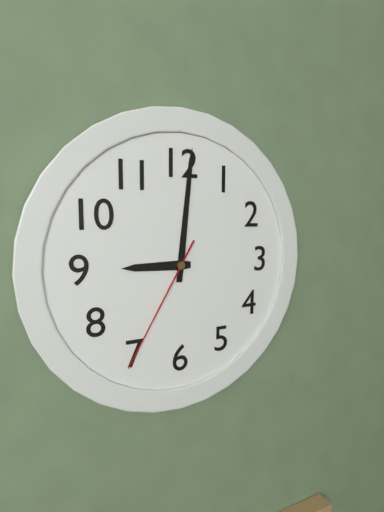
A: 9 h 01 min 35 s
